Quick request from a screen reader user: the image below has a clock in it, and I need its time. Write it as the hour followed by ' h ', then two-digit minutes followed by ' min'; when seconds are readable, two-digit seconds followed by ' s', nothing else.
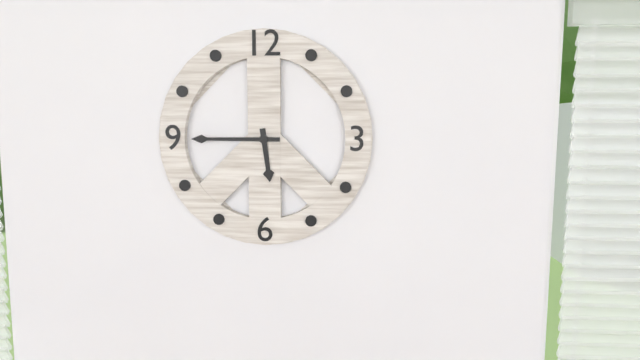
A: 5 h 45 min
